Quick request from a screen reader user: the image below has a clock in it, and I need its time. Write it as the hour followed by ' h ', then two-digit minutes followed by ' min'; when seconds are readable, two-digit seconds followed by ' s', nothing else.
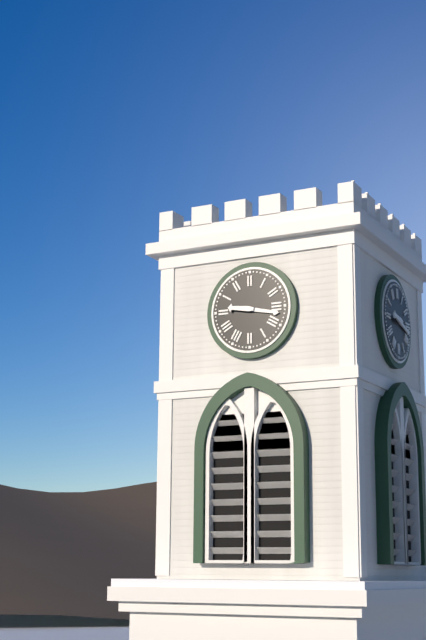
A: 9 h 17 min
